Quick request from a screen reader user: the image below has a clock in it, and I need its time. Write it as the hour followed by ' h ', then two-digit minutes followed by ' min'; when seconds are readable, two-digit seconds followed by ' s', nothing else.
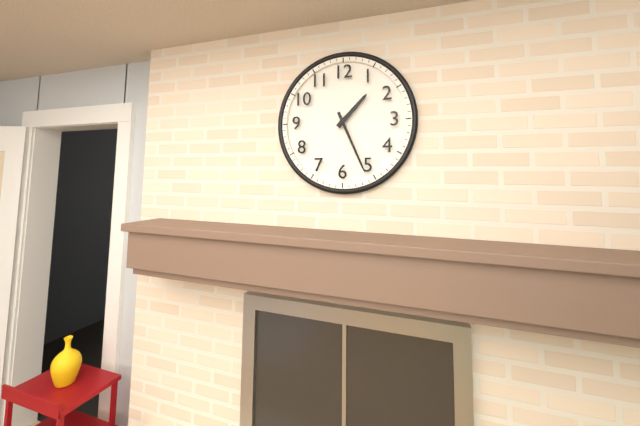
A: 1 h 26 min
